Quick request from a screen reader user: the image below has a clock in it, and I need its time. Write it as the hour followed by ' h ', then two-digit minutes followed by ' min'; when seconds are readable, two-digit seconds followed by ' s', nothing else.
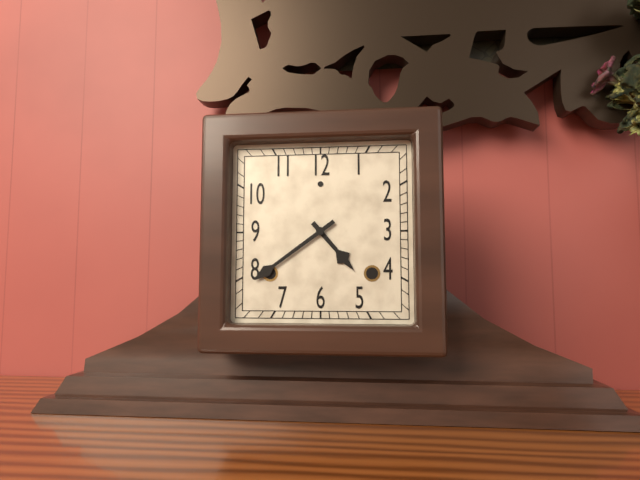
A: 4 h 39 min
